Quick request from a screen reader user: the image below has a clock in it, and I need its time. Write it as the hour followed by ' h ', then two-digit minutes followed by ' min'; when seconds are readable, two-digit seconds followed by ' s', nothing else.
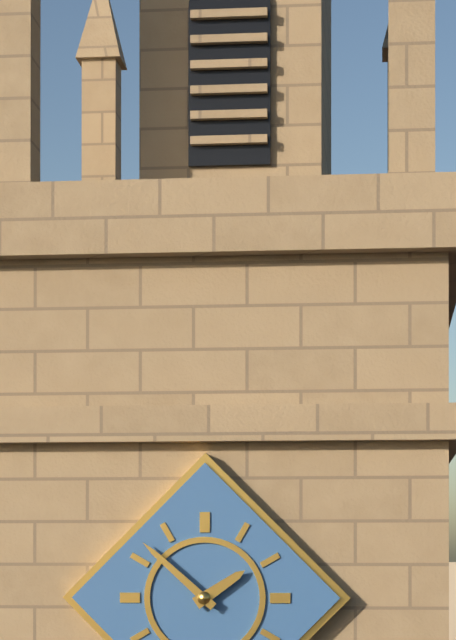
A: 1 h 52 min
